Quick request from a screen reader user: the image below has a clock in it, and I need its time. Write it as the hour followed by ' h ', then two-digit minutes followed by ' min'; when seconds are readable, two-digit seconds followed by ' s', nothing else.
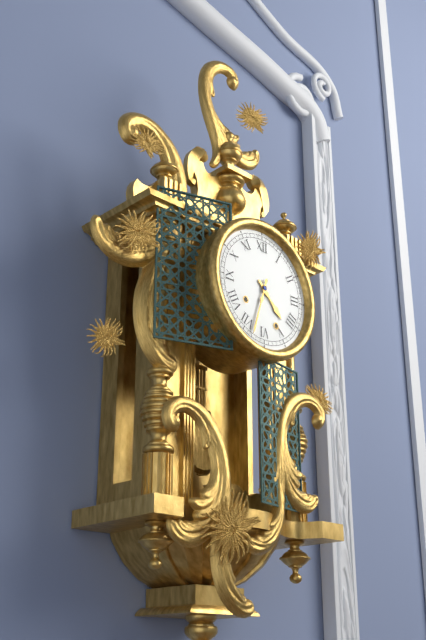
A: 4 h 33 min
